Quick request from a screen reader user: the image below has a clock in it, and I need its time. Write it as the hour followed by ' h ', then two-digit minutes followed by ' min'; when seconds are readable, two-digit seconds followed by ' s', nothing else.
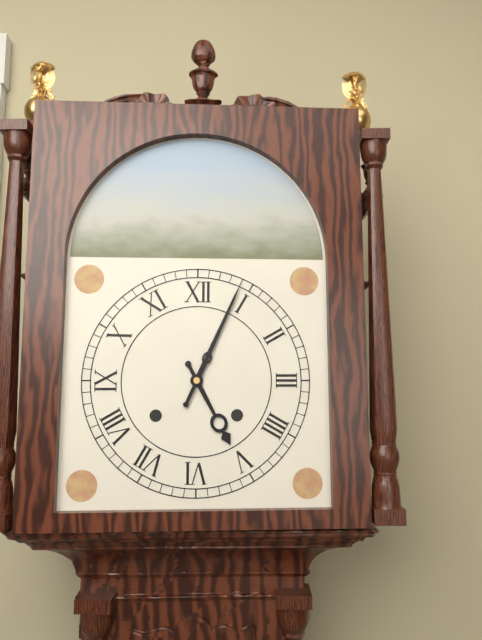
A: 5 h 04 min
